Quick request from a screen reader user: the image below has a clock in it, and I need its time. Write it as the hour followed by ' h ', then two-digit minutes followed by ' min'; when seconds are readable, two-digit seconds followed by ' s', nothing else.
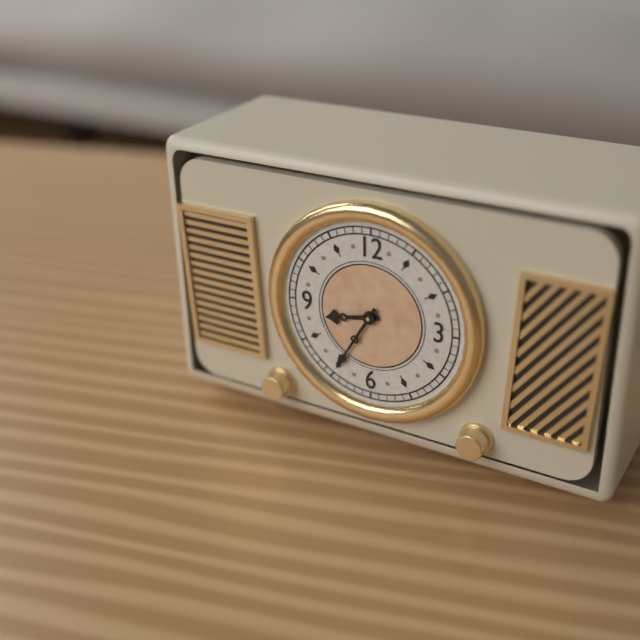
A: 8 h 35 min
